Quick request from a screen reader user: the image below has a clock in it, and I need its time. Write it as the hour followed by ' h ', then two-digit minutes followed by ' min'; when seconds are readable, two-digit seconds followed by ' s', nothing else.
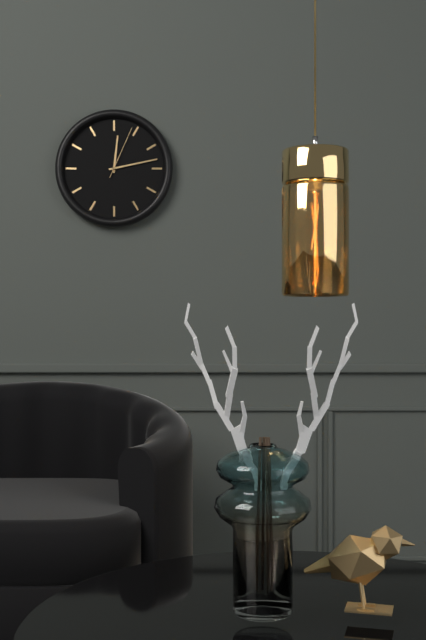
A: 12 h 13 min 04 s
